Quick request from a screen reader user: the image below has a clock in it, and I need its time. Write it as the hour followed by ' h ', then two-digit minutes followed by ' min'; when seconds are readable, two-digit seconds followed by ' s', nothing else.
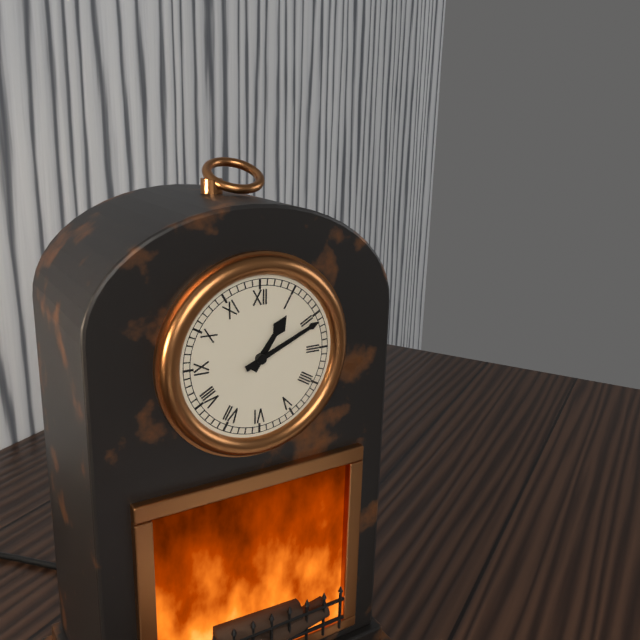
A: 1 h 11 min
